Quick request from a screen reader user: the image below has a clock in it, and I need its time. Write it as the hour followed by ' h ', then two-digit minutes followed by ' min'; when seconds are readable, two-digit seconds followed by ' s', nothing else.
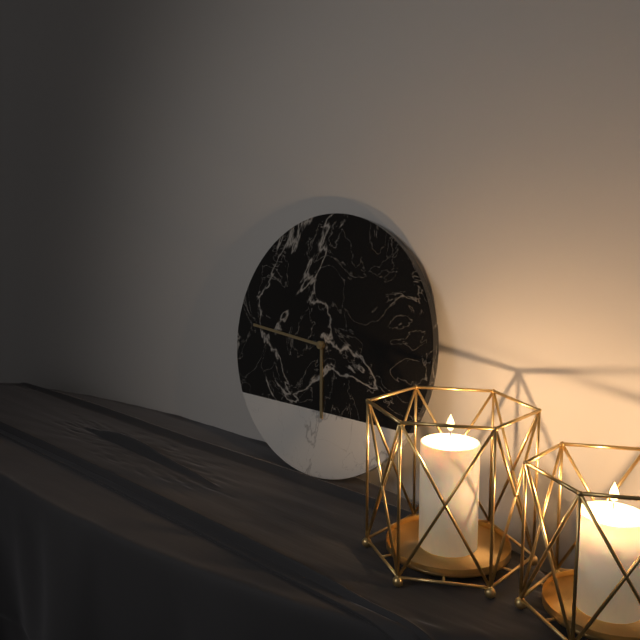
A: 5 h 46 min
